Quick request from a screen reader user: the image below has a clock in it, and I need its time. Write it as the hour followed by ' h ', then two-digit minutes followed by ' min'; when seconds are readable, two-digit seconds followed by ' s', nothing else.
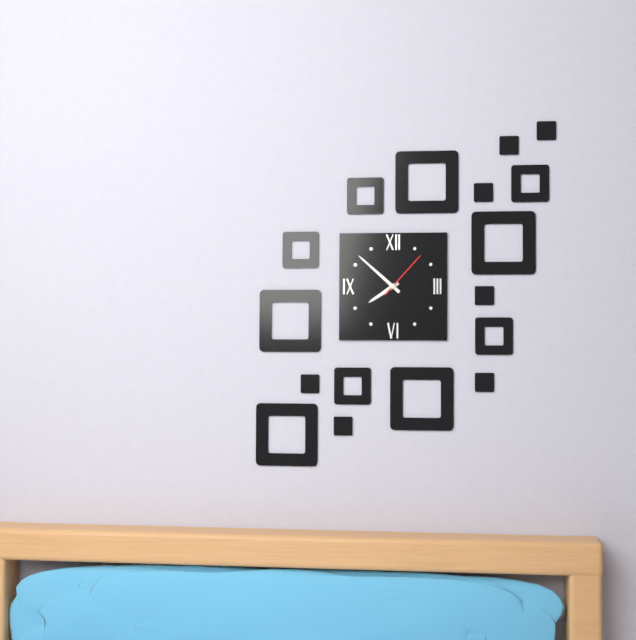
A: 7 h 52 min 07 s
